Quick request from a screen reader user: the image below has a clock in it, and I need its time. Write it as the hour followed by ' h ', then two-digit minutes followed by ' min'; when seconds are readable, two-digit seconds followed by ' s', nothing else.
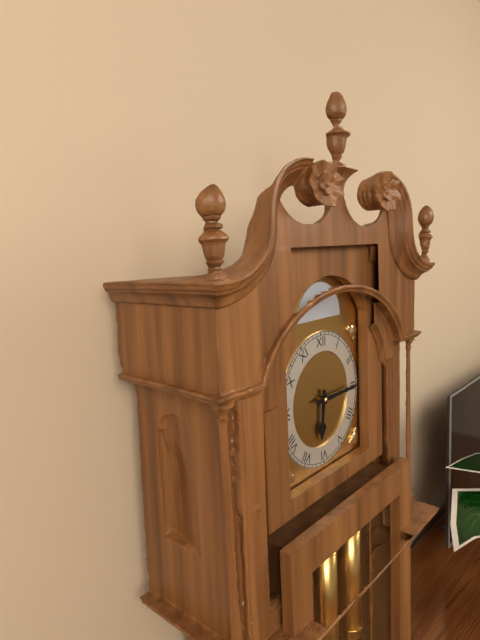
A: 6 h 15 min
